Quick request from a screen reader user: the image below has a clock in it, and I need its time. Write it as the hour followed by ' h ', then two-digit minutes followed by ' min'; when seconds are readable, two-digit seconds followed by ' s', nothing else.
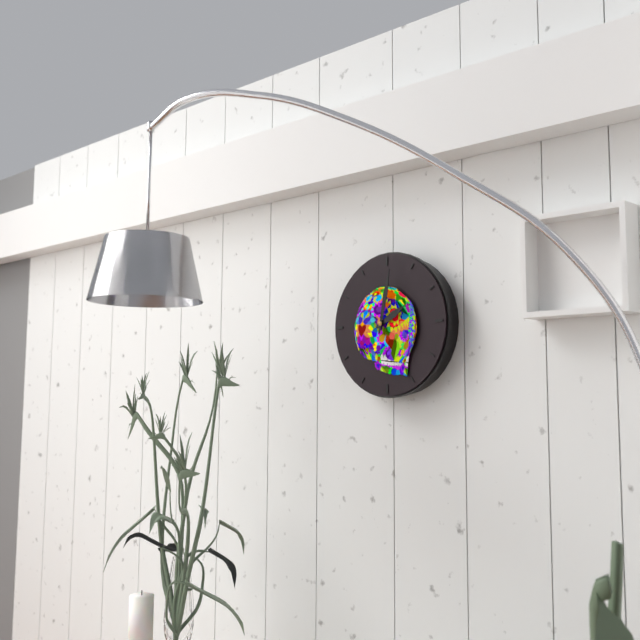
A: 2 h 02 min
